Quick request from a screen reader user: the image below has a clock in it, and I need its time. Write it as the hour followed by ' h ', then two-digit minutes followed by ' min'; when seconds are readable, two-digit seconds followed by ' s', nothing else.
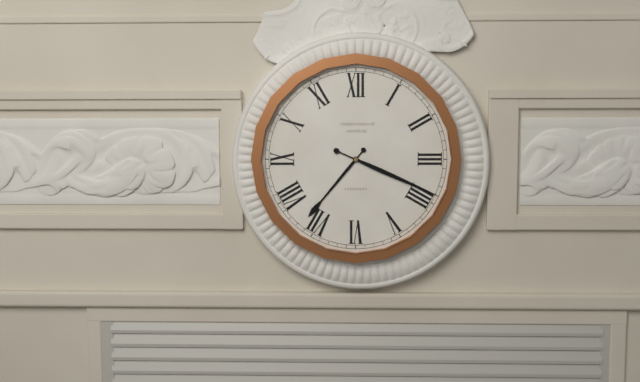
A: 7 h 19 min
